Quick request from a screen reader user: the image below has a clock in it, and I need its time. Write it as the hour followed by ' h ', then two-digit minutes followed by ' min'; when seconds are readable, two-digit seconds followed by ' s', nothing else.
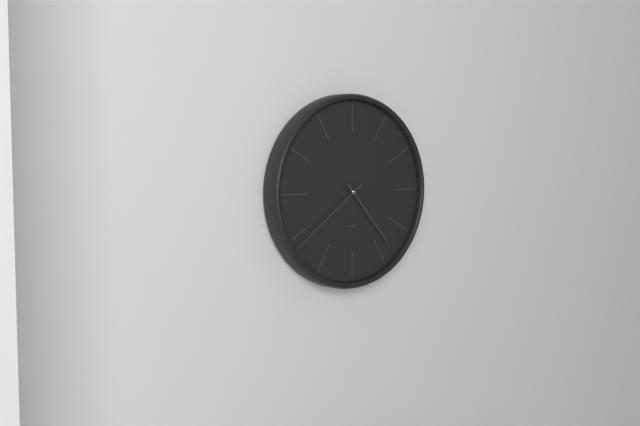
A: 4 h 39 min
